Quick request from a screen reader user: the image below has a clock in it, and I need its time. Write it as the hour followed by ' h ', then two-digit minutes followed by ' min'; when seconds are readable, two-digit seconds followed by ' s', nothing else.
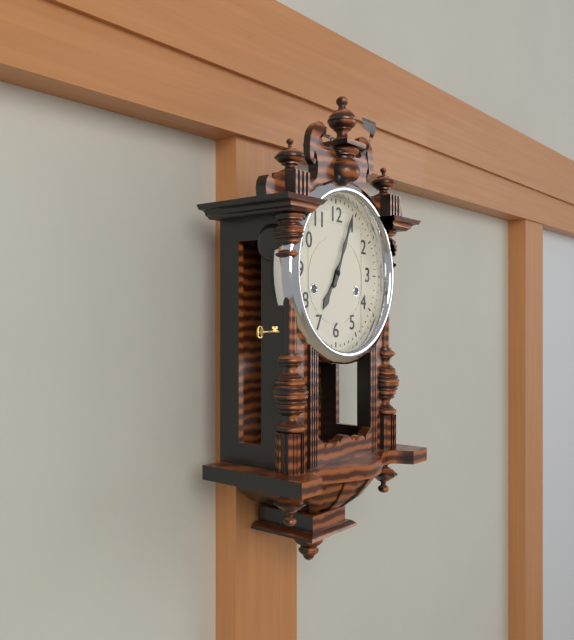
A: 7 h 04 min
